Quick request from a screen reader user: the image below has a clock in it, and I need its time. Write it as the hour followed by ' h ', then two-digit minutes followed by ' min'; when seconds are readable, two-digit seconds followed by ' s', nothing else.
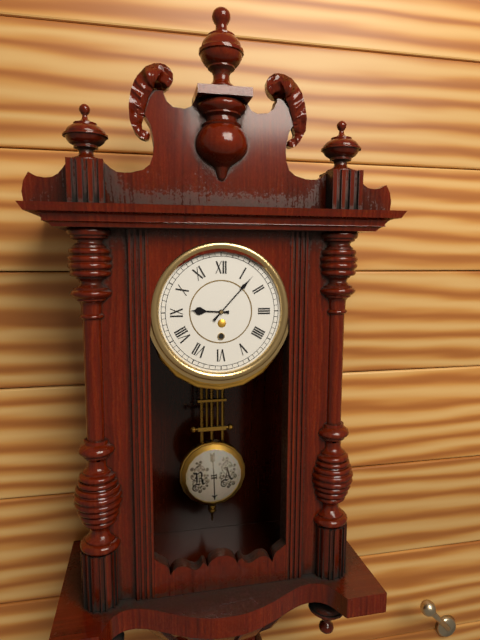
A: 9 h 07 min
